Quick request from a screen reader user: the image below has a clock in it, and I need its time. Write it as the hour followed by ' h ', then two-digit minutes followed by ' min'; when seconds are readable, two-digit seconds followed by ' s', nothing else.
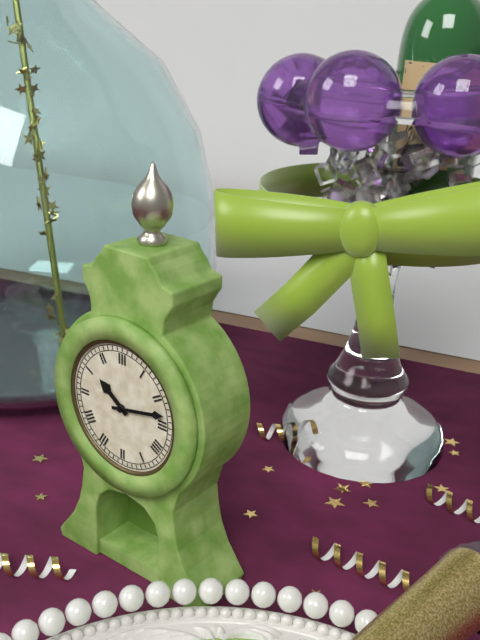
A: 10 h 13 min
